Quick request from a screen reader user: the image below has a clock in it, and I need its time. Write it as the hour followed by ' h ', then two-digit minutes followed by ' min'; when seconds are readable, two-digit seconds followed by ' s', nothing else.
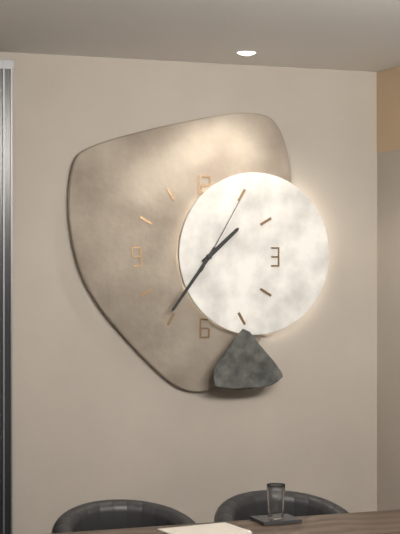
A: 1 h 36 min 05 s
